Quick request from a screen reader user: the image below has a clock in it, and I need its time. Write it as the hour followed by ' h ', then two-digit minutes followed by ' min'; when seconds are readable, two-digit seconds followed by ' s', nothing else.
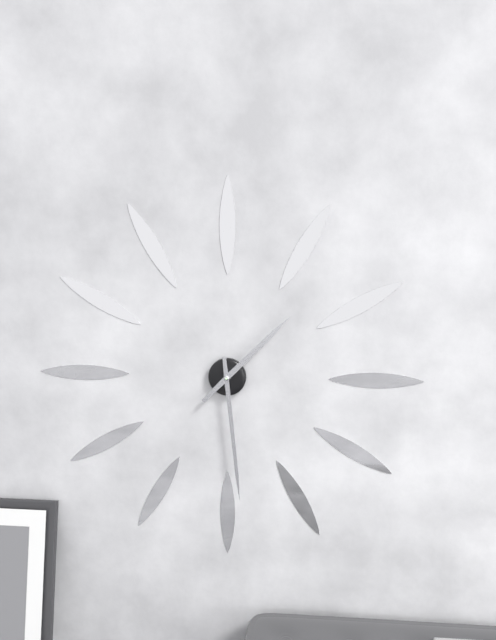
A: 1 h 29 min
